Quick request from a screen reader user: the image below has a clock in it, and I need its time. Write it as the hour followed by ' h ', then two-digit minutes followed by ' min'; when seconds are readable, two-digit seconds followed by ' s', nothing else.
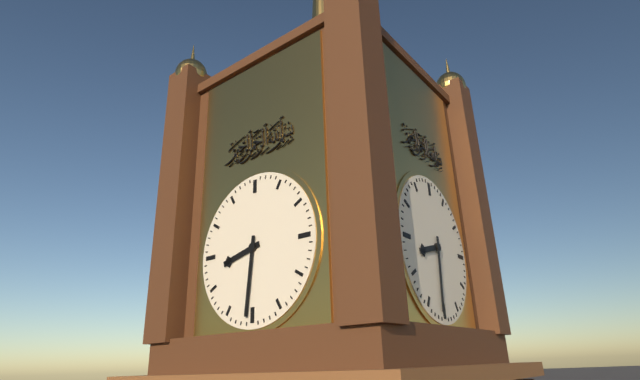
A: 8 h 31 min
